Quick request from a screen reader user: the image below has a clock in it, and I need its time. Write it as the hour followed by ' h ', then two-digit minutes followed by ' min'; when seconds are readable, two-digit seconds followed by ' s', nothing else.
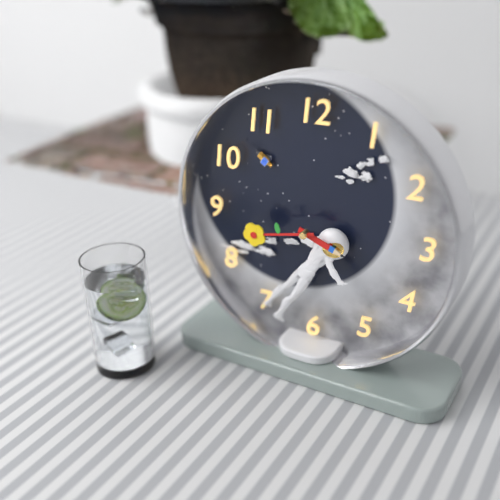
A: 3 h 43 min
